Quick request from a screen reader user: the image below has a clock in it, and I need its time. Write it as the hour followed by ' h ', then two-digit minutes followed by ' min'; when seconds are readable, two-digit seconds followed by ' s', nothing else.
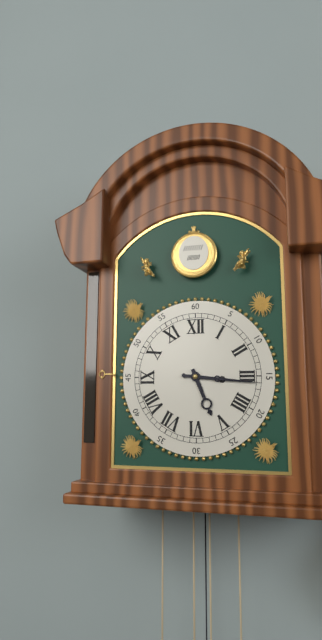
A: 5 h 16 min
